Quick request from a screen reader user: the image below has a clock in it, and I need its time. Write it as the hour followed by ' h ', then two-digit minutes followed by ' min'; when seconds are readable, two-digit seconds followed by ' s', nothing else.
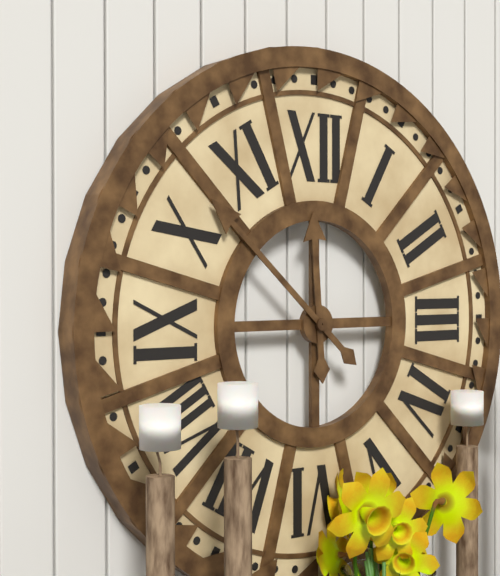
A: 11 h 52 min
